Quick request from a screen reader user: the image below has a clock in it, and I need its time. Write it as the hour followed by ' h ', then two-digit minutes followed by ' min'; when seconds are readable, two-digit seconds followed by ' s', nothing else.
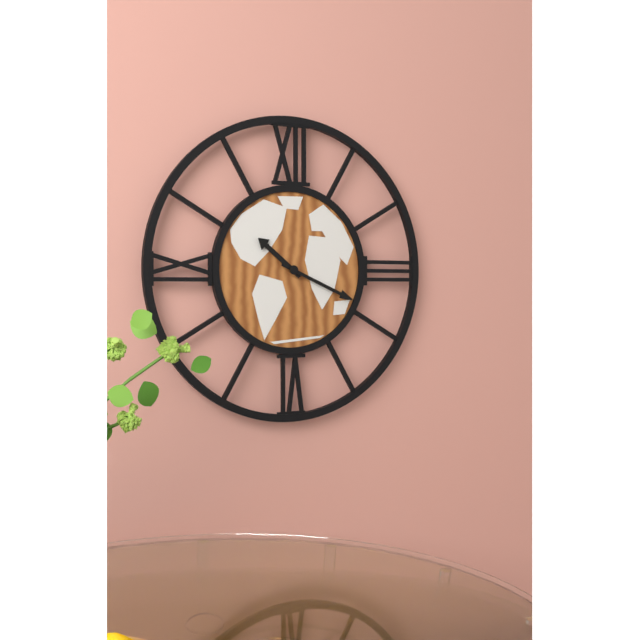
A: 10 h 19 min
